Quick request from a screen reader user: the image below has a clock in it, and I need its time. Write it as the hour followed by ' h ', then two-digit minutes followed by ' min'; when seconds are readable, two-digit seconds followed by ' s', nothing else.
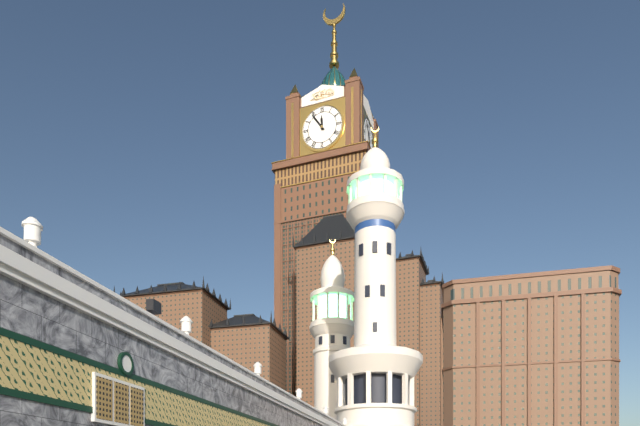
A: 11 h 54 min
